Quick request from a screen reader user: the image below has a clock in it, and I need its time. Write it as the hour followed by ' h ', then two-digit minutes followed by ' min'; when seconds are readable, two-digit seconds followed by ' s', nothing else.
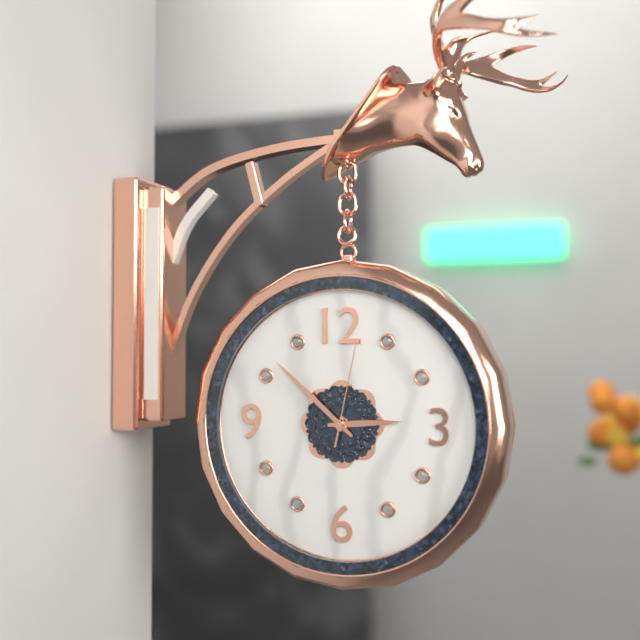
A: 2 h 52 min 02 s
